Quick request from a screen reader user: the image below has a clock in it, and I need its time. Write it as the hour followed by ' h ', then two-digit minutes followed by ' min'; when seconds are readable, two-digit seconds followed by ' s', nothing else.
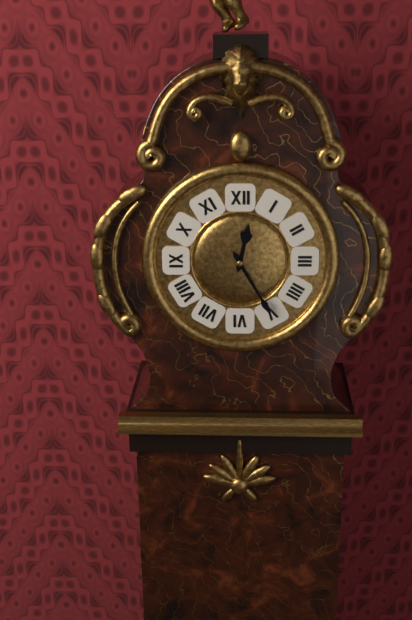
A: 12 h 25 min
